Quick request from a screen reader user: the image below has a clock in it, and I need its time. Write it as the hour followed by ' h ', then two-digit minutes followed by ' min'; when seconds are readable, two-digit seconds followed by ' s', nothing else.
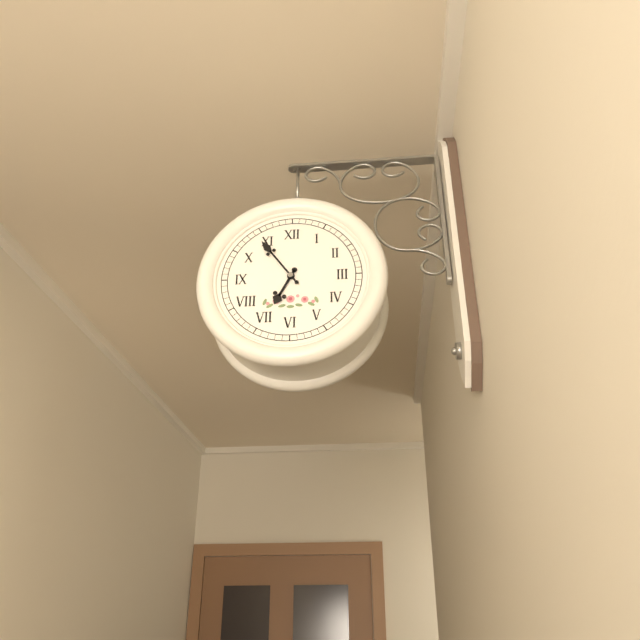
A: 6 h 54 min
